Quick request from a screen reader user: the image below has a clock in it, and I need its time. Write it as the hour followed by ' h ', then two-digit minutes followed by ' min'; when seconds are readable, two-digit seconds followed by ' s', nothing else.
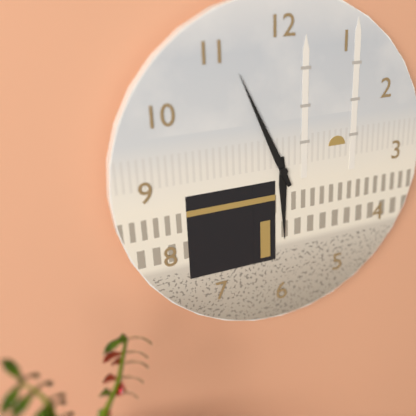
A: 5 h 56 min
